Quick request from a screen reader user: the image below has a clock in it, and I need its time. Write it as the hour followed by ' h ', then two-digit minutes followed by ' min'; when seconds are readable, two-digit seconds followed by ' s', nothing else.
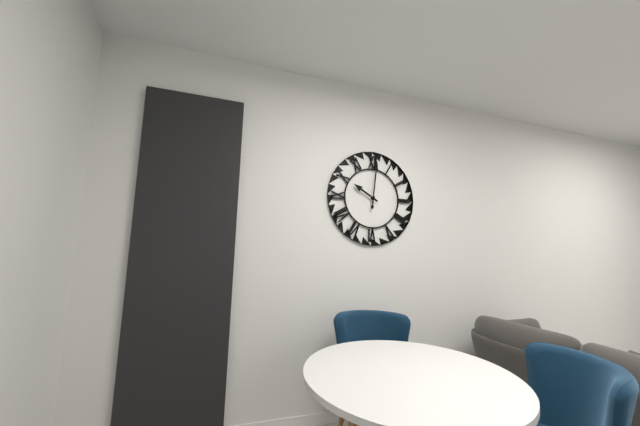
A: 10 h 01 min
